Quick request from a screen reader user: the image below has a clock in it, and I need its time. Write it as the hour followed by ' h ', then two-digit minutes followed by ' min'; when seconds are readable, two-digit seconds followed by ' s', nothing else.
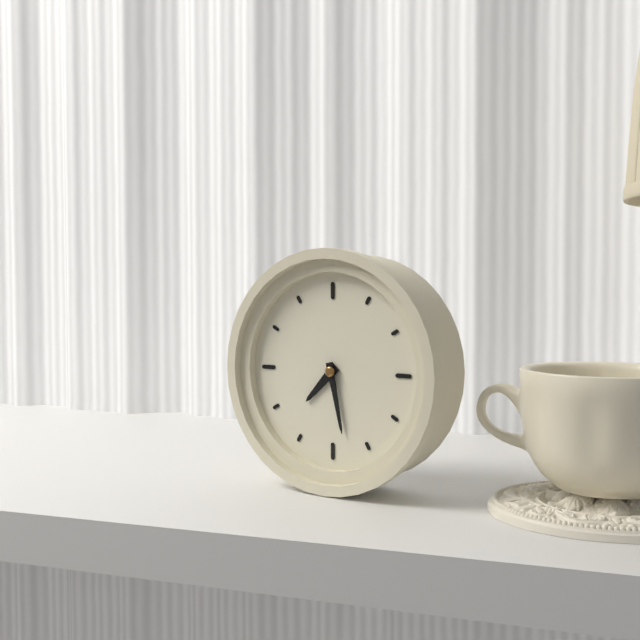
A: 7 h 28 min
